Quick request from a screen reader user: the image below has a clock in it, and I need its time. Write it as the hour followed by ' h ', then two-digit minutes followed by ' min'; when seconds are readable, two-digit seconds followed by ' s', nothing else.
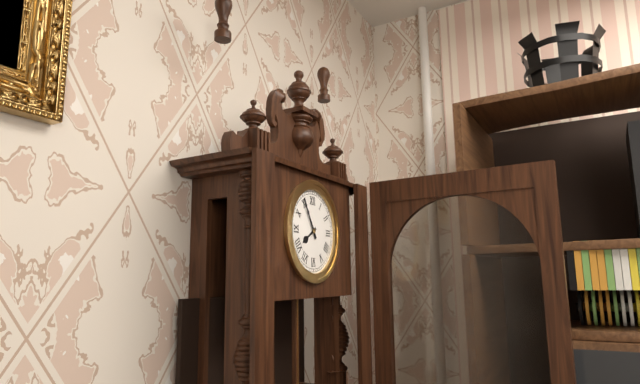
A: 7 h 55 min
